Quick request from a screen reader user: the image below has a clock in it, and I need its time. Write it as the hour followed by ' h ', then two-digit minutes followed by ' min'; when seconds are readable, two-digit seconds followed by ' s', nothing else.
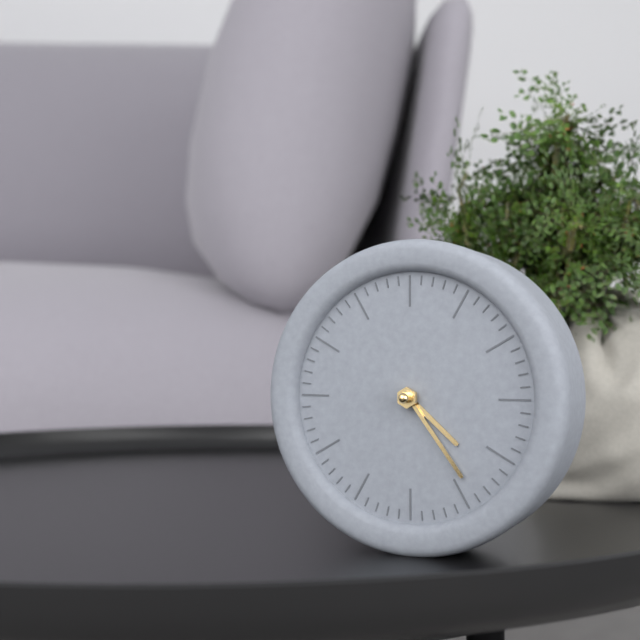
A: 4 h 24 min
